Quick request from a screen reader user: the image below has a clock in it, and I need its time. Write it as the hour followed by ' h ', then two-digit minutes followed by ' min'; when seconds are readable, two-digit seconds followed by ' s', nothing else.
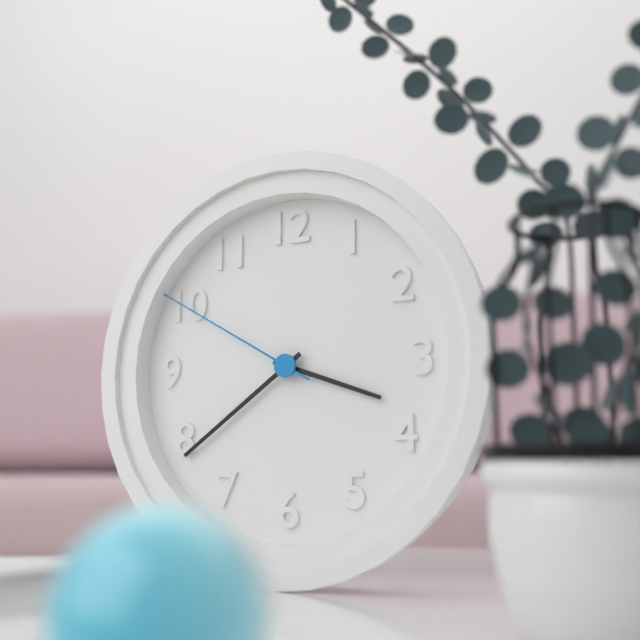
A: 3 h 39 min 50 s
